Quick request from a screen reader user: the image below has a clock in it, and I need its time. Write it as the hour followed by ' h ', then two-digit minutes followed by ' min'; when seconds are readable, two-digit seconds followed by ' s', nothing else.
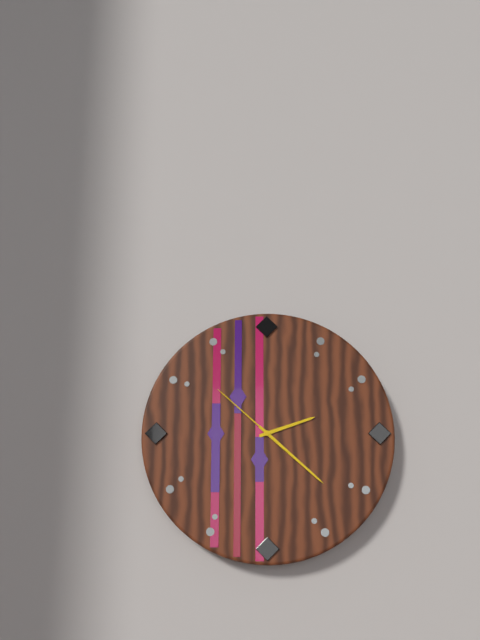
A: 2 h 22 min 52 s
